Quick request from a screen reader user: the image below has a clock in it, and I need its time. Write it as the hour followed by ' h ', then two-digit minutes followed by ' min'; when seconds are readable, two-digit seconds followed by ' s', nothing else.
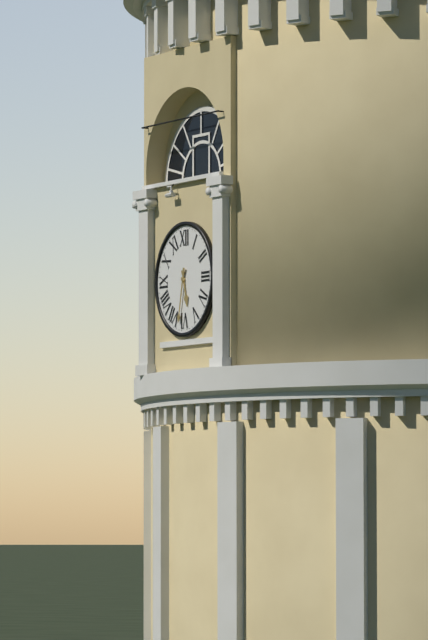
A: 5 h 32 min
